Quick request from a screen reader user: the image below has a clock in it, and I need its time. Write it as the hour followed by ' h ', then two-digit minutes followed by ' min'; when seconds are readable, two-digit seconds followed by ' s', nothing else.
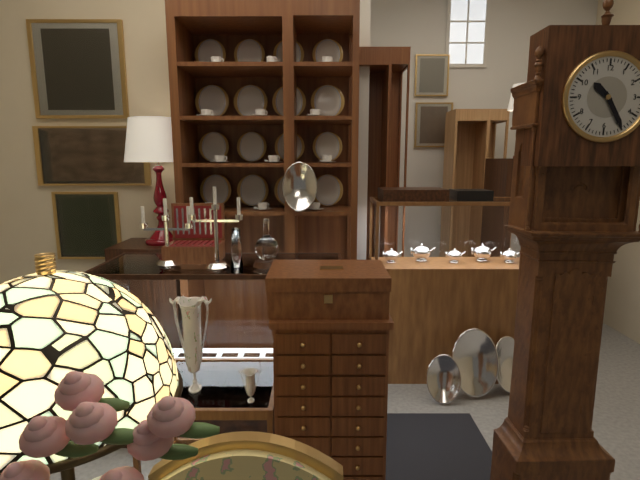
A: 10 h 25 min
